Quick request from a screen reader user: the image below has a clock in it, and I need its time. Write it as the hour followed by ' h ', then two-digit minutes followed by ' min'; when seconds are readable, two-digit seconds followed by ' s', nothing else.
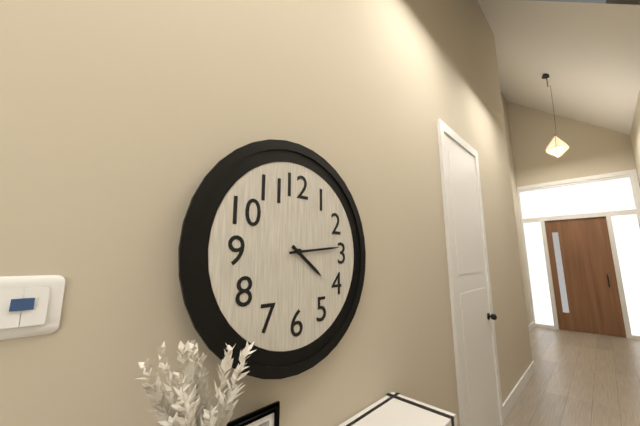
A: 4 h 14 min
